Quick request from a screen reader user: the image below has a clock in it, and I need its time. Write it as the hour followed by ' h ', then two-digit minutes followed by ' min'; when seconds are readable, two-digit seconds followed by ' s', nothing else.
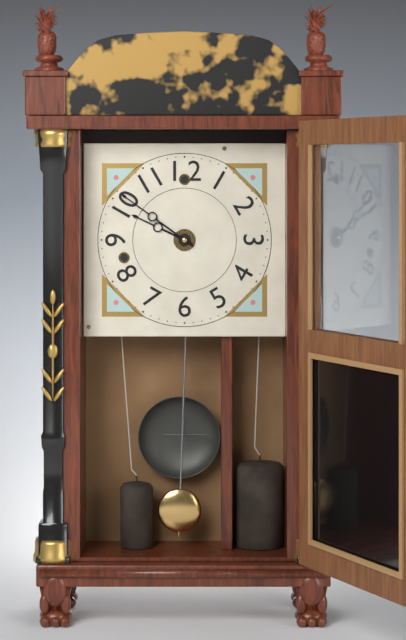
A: 9 h 51 min
